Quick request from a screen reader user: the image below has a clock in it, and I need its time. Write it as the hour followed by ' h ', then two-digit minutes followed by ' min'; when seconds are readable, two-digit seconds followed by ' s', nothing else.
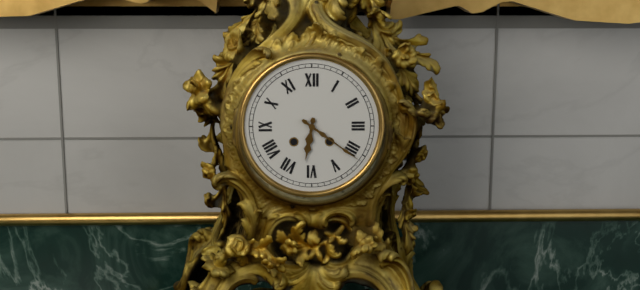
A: 6 h 21 min
